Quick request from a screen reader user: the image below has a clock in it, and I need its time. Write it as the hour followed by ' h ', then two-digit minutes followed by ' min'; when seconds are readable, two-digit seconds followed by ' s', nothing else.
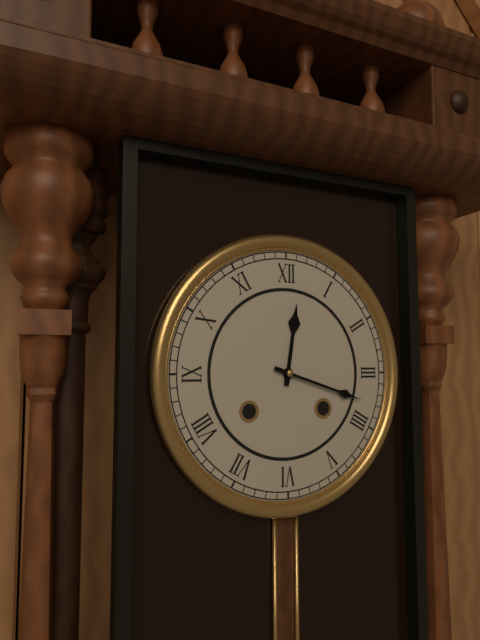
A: 12 h 18 min
